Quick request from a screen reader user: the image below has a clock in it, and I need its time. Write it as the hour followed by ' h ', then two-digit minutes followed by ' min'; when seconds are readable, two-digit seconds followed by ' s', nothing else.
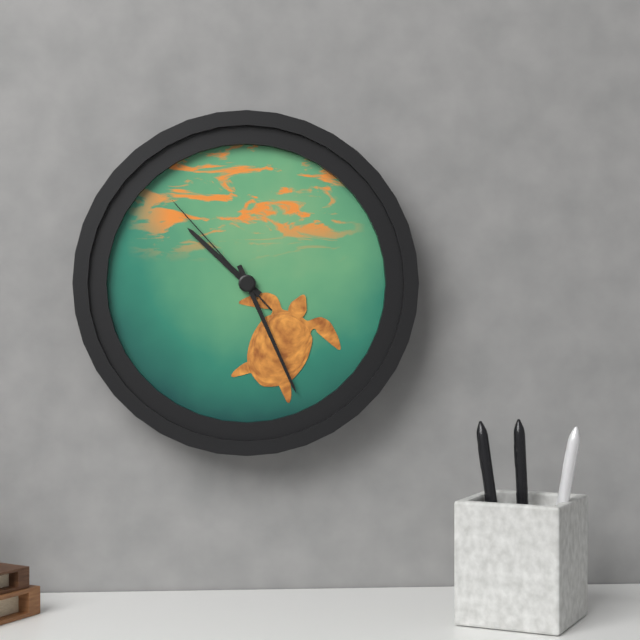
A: 10 h 26 min 53 s
